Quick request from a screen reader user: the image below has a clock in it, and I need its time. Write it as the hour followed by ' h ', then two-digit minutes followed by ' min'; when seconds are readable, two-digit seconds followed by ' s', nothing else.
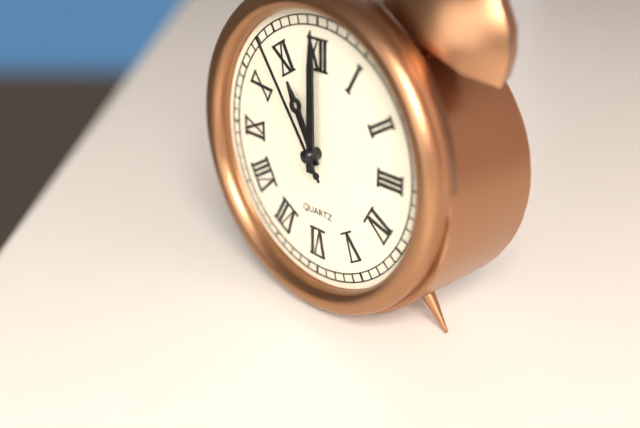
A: 11 h 00 min 54 s
